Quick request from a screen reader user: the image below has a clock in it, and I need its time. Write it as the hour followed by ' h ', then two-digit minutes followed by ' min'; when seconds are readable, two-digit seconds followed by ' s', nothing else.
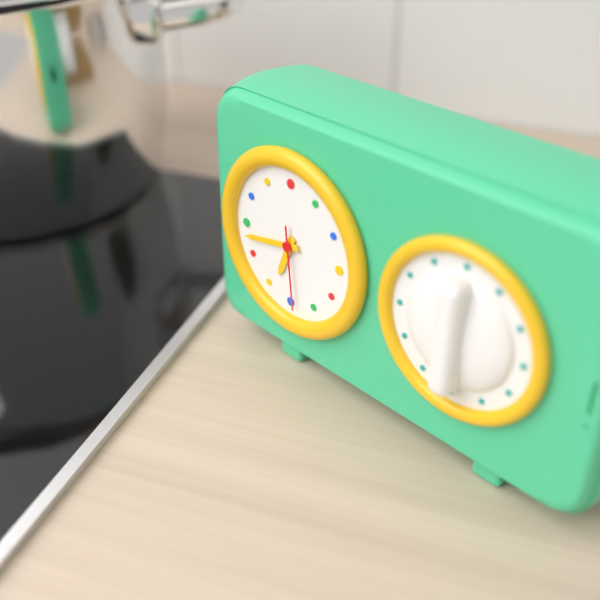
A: 6 h 43 min 29 s
